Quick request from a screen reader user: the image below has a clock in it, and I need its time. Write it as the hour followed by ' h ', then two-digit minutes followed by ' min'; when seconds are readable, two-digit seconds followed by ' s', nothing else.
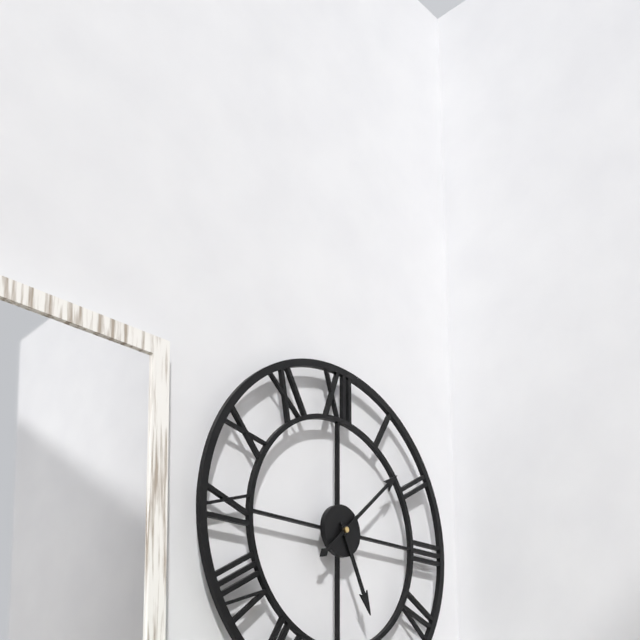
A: 5 h 08 min
